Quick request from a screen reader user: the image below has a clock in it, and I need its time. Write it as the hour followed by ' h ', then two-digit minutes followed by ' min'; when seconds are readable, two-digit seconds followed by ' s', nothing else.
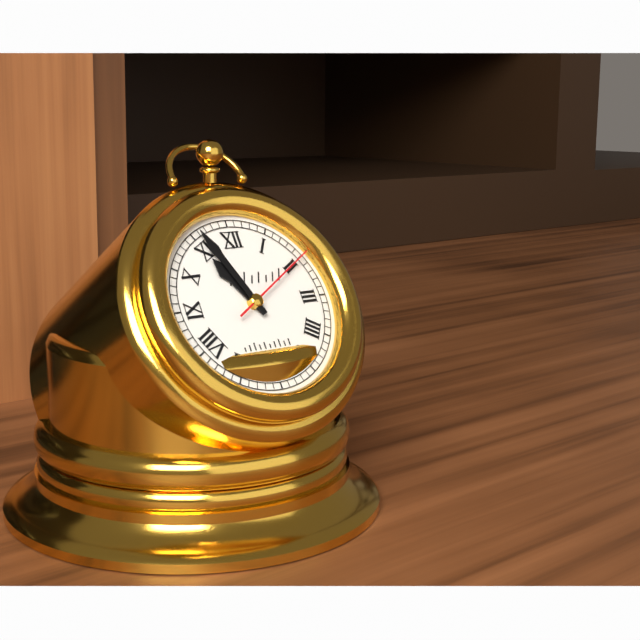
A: 10 h 56 min 10 s
